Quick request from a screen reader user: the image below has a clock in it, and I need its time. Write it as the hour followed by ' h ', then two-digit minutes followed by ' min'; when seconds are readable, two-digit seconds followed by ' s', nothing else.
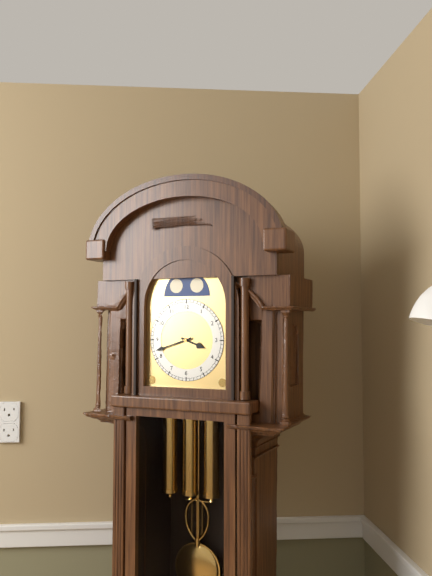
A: 3 h 42 min
